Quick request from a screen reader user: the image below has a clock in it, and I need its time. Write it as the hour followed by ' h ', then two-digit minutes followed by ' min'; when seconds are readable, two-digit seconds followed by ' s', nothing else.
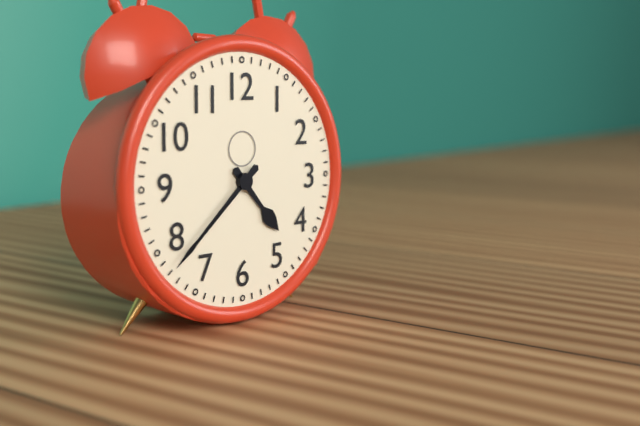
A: 4 h 38 min
